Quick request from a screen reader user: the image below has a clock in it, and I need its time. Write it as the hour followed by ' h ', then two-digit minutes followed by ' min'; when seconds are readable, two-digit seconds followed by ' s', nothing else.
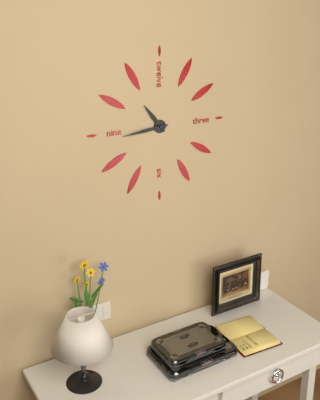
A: 10 h 44 min
